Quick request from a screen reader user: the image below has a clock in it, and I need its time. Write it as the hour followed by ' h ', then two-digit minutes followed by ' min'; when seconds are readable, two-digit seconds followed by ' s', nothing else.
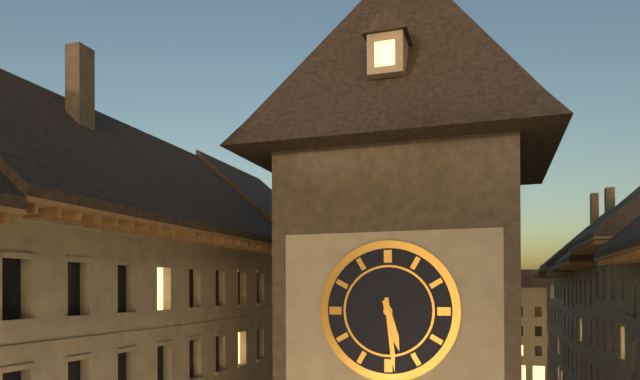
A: 5 h 29 min
